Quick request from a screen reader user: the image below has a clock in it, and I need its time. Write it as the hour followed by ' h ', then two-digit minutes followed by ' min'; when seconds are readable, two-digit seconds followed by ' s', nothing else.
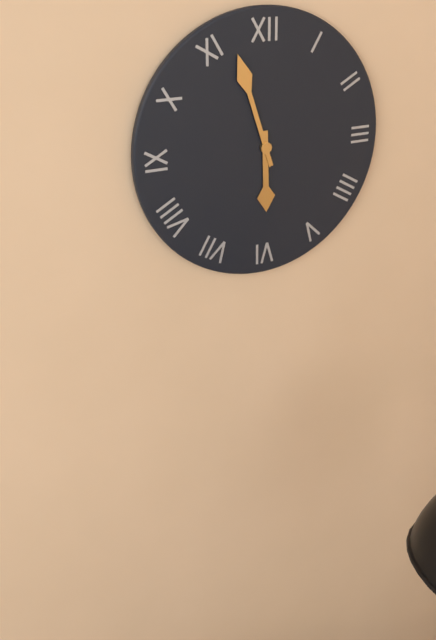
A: 5 h 57 min
